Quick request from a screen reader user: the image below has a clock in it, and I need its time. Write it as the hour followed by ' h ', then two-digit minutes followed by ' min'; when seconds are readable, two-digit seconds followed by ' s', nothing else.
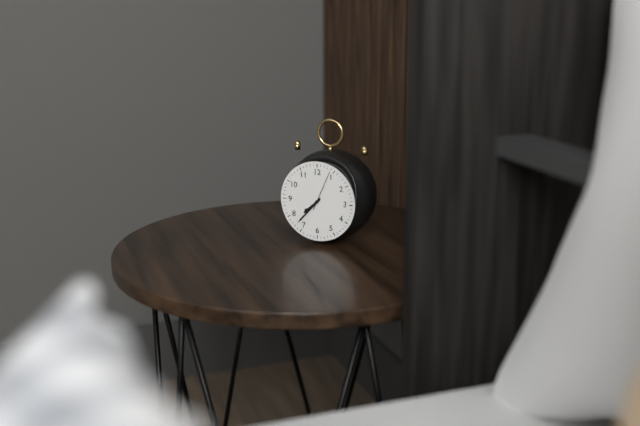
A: 7 h 37 min
